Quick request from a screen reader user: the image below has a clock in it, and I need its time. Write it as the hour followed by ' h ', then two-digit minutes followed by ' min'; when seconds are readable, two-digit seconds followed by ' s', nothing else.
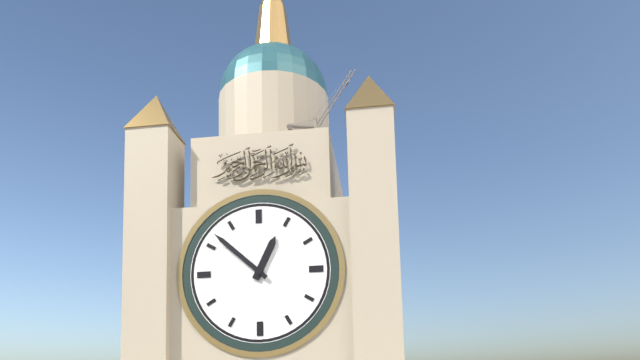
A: 12 h 52 min
